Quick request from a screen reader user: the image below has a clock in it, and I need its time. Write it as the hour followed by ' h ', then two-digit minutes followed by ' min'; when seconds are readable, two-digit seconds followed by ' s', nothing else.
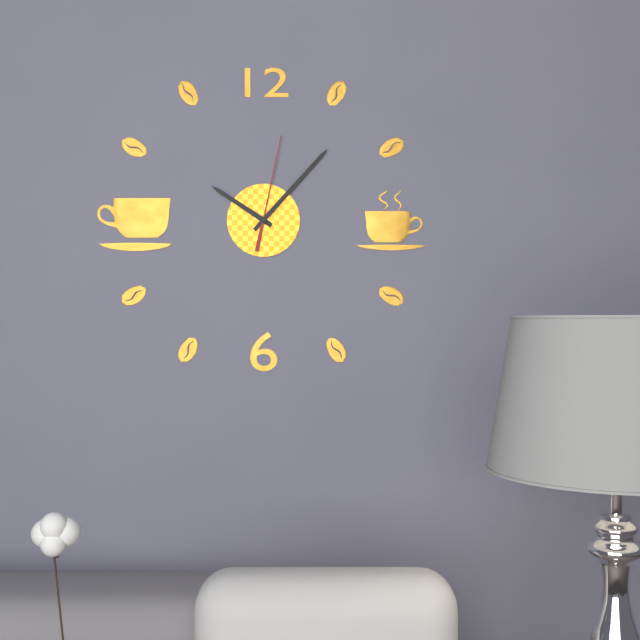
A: 10 h 07 min 02 s
